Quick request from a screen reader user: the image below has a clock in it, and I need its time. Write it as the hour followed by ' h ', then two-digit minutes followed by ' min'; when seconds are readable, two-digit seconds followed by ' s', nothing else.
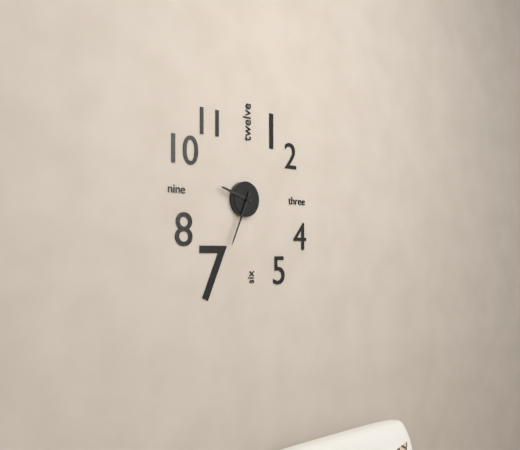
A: 9 h 34 min
